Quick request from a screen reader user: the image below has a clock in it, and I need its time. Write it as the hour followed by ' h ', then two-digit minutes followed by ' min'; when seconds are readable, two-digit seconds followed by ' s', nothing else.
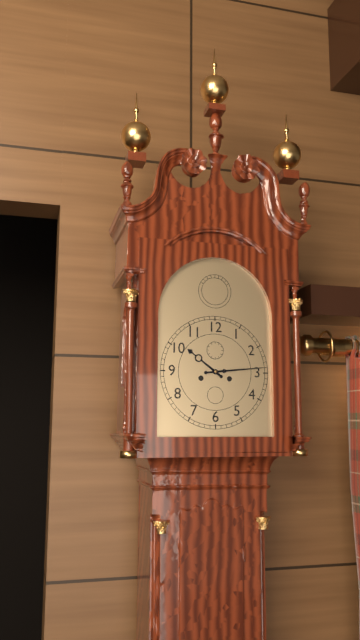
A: 10 h 14 min
